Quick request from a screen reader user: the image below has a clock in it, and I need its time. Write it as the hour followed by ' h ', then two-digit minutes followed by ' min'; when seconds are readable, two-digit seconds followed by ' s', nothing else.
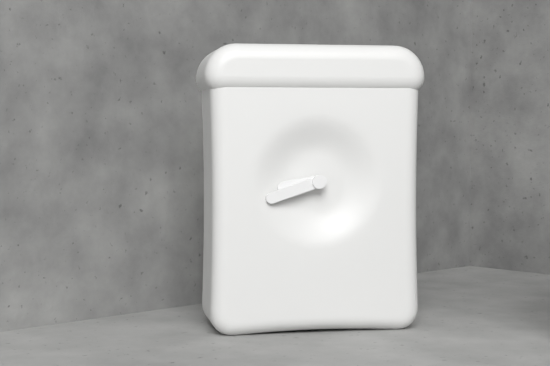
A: 8 h 42 min
